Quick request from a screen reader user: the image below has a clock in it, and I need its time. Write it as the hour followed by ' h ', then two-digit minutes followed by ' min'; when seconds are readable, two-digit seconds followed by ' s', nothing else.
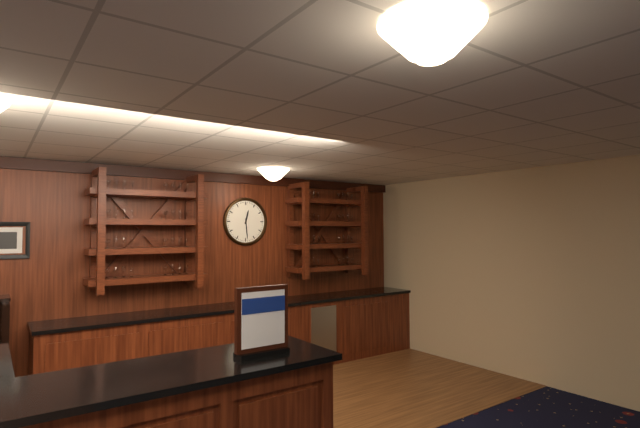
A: 12 h 29 min
